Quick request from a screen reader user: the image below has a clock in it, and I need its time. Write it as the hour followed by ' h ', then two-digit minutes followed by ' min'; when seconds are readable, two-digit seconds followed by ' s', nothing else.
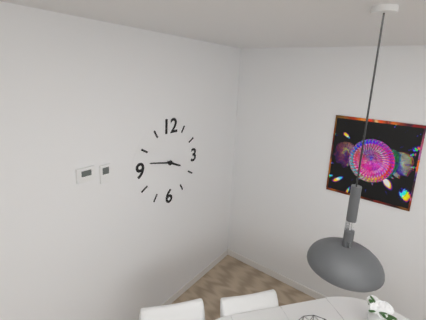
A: 3 h 47 min
